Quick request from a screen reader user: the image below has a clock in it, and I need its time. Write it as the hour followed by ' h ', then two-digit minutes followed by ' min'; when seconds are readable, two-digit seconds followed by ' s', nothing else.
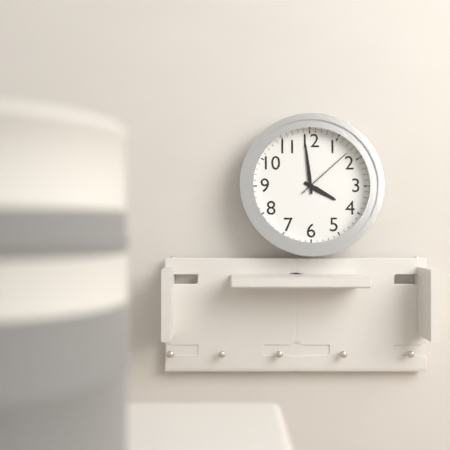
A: 3 h 59 min 08 s
